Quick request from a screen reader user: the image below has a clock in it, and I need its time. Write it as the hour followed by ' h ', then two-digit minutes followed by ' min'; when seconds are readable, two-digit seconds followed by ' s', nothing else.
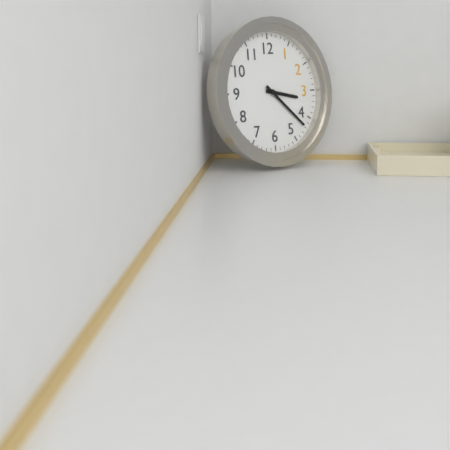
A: 3 h 22 min
